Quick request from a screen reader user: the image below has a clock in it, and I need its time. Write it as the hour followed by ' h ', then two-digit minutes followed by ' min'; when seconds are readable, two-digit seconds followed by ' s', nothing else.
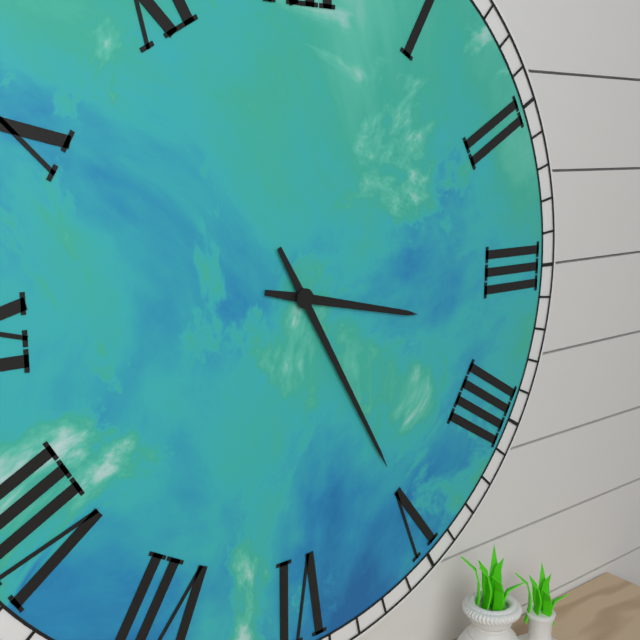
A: 3 h 25 min
